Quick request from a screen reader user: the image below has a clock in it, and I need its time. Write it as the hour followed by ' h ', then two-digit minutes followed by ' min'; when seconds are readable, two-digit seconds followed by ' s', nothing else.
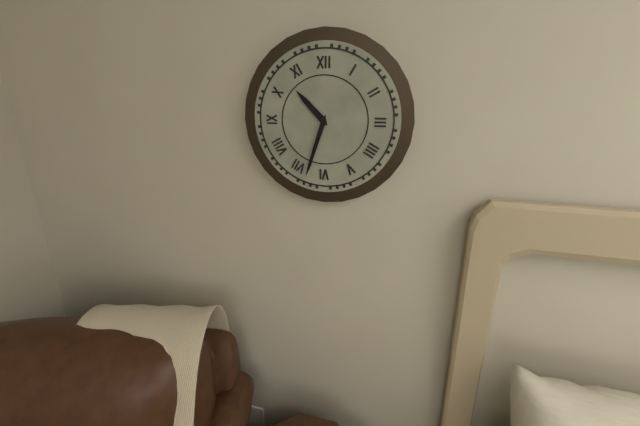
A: 10 h 33 min
